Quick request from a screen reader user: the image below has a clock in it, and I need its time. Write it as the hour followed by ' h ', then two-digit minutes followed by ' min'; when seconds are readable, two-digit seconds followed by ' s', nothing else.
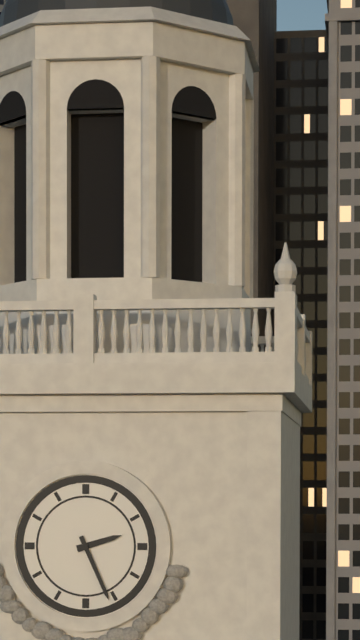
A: 2 h 26 min
